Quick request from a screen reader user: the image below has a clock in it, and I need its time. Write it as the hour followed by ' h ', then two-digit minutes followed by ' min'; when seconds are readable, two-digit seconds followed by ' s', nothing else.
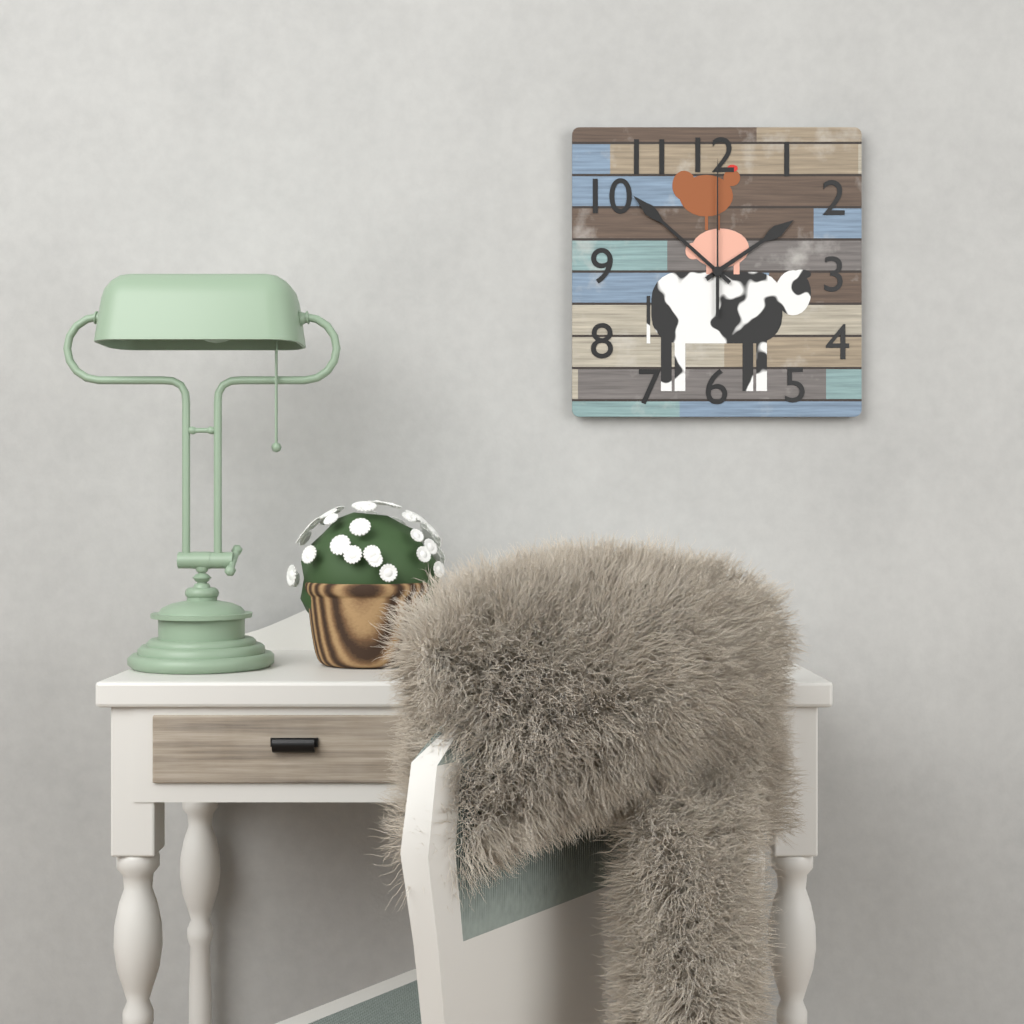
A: 1 h 52 min 00 s
